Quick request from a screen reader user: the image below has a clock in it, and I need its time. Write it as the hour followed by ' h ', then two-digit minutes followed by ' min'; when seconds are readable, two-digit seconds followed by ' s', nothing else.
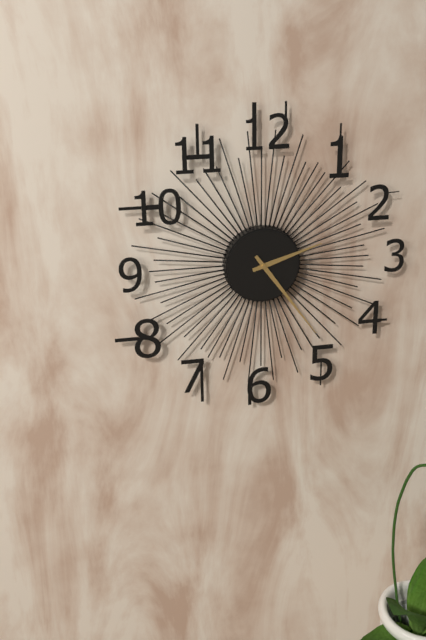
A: 2 h 24 min
